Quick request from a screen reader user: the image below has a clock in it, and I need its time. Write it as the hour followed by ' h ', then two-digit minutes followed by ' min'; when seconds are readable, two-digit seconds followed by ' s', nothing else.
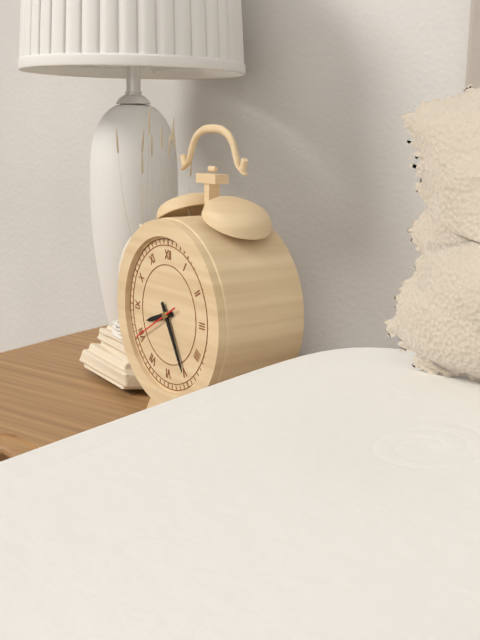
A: 8 h 25 min 40 s
